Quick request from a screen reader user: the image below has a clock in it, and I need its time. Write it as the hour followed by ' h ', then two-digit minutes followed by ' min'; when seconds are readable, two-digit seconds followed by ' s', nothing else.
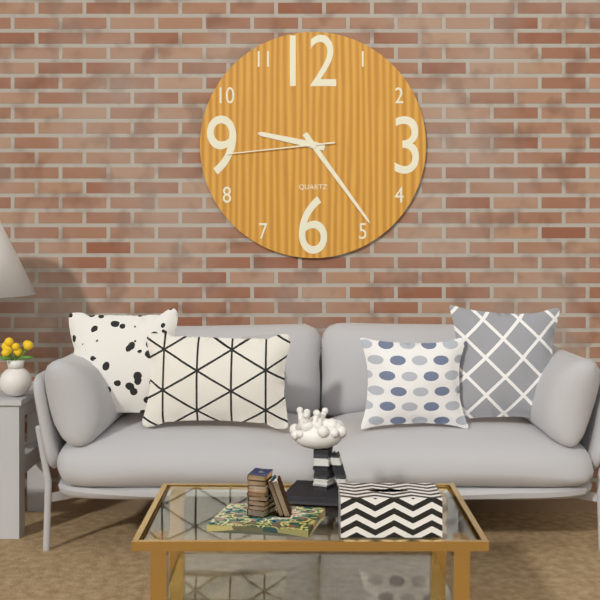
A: 9 h 24 min 44 s
